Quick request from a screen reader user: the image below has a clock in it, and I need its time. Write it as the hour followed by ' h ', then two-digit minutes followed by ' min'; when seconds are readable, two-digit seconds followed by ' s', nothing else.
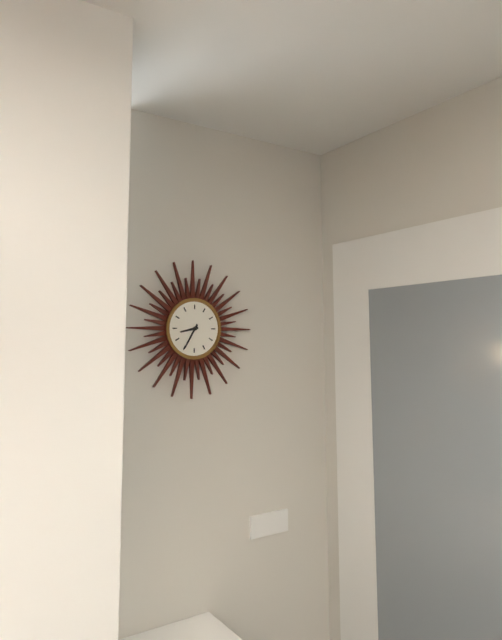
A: 8 h 35 min
